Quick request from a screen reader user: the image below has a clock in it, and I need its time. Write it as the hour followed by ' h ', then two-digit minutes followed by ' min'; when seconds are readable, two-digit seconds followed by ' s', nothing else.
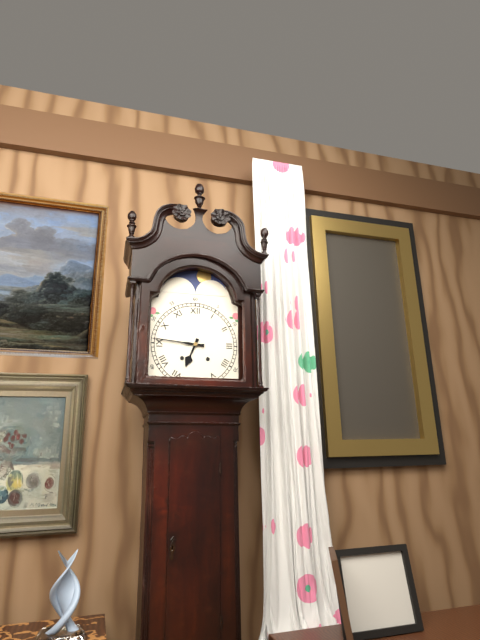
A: 6 h 46 min
